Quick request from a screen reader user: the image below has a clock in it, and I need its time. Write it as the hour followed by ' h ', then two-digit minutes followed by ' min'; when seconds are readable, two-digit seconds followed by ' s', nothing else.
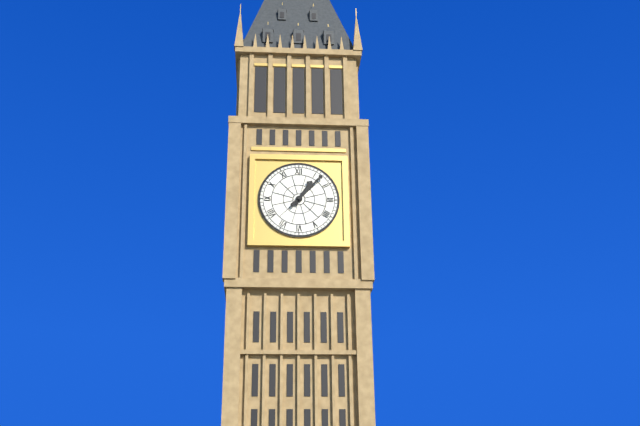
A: 1 h 07 min
